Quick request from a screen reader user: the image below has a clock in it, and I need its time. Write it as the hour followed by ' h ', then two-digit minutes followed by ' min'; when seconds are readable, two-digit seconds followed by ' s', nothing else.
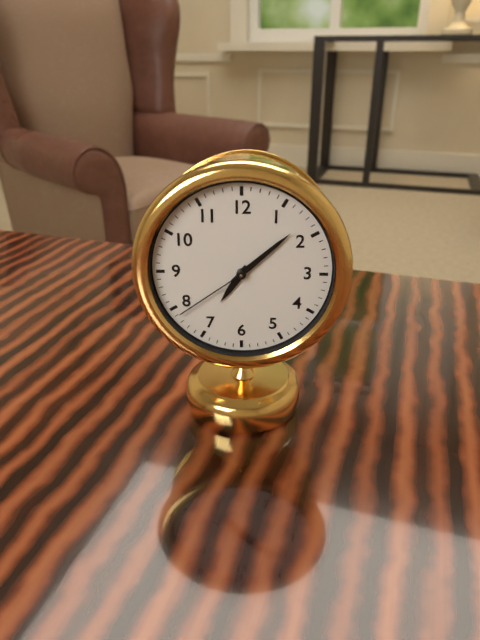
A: 7 h 08 min 39 s
